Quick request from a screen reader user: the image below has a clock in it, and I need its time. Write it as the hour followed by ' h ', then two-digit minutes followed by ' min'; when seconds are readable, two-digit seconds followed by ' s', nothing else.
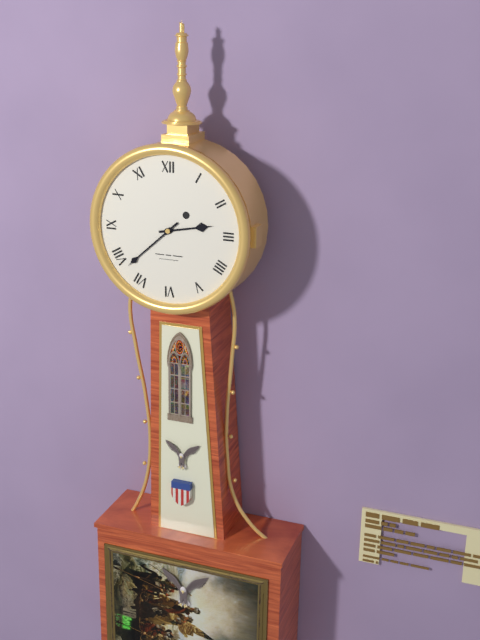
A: 2 h 38 min
